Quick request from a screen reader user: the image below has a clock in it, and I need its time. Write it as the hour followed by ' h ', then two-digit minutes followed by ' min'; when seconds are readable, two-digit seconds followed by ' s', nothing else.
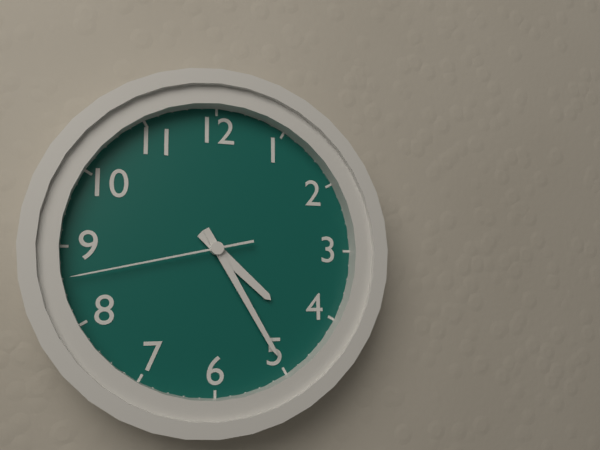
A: 4 h 25 min 43 s
